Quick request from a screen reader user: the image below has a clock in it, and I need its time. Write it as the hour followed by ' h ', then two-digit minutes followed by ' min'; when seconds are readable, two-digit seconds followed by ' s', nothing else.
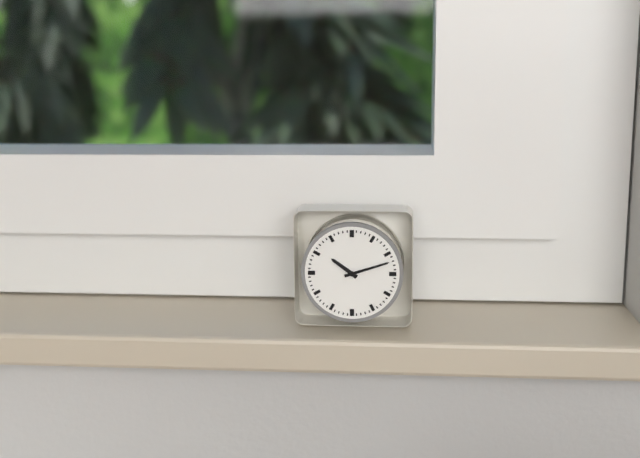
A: 10 h 12 min
